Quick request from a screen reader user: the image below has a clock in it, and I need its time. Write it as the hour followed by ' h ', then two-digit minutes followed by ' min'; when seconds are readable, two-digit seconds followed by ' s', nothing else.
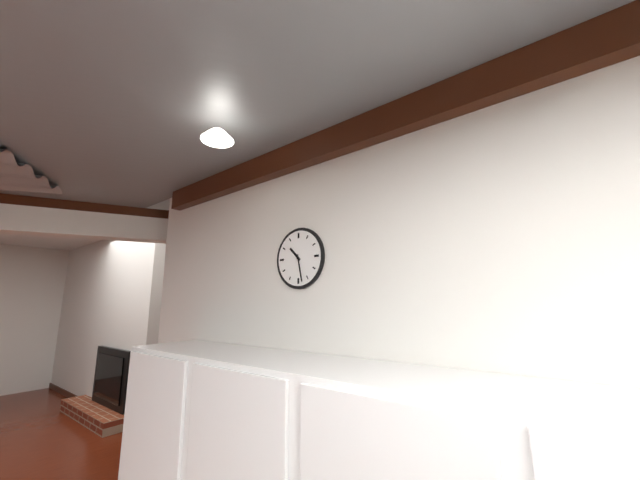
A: 10 h 28 min
